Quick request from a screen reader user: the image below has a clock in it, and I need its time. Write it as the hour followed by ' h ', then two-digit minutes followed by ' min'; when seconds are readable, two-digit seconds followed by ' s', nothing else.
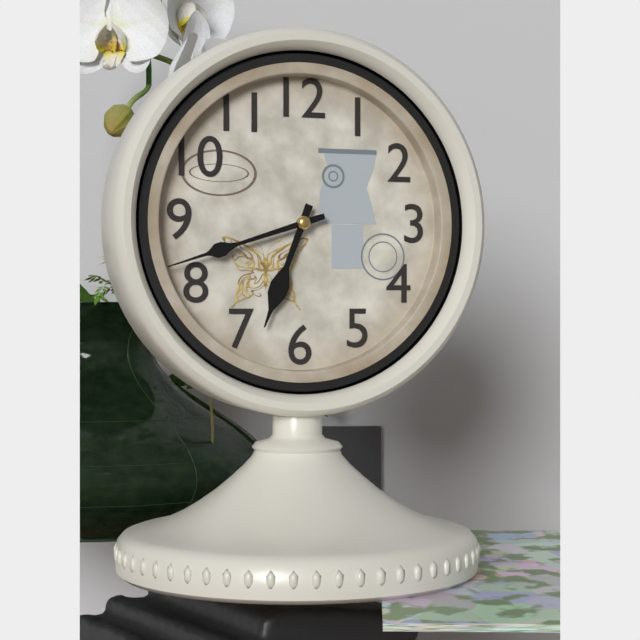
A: 6 h 42 min
